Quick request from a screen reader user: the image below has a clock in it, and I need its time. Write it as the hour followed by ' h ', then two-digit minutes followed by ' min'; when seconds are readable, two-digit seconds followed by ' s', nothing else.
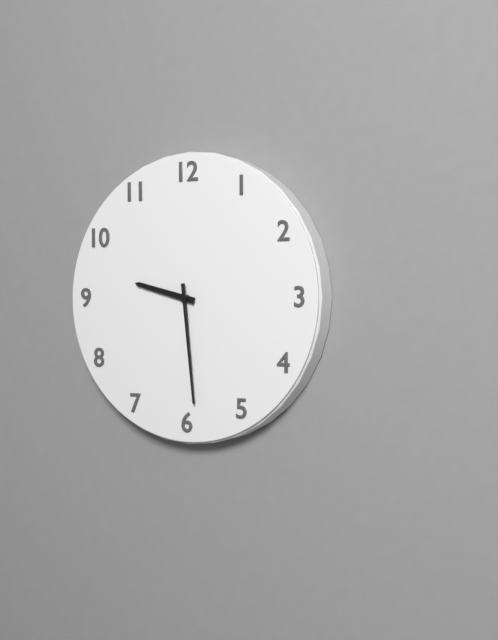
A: 9 h 29 min
